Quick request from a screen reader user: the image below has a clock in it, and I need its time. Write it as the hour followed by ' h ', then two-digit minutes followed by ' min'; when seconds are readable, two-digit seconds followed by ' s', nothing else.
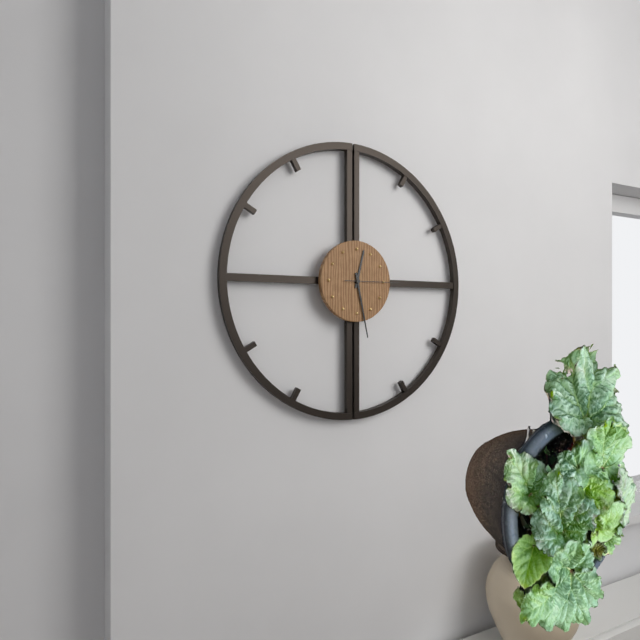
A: 12 h 28 min 15 s
